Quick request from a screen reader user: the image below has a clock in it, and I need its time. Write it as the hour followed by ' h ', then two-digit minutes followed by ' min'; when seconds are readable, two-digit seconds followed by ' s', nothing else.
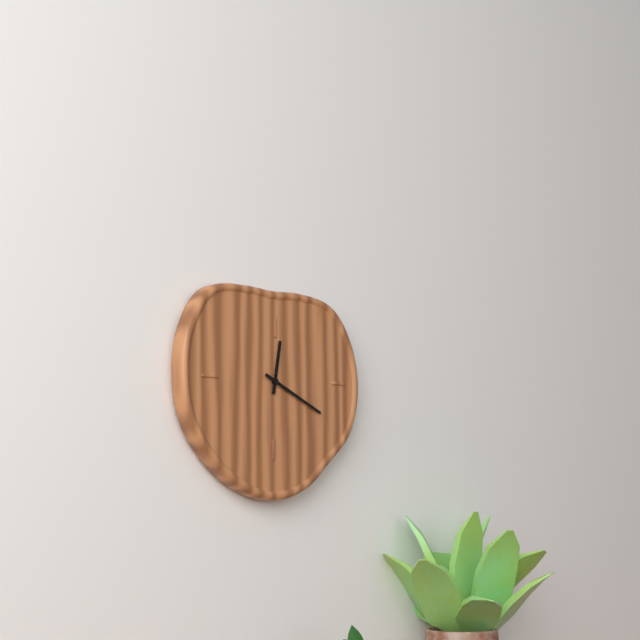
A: 12 h 19 min
